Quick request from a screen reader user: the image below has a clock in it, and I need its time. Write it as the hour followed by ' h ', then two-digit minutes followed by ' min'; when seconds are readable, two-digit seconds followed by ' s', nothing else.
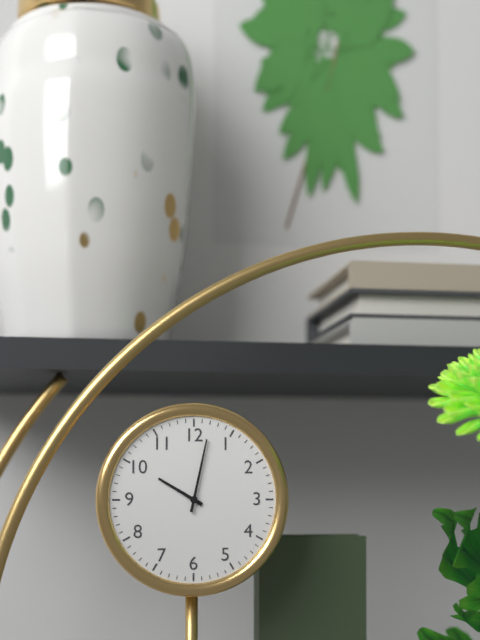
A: 10 h 02 min
